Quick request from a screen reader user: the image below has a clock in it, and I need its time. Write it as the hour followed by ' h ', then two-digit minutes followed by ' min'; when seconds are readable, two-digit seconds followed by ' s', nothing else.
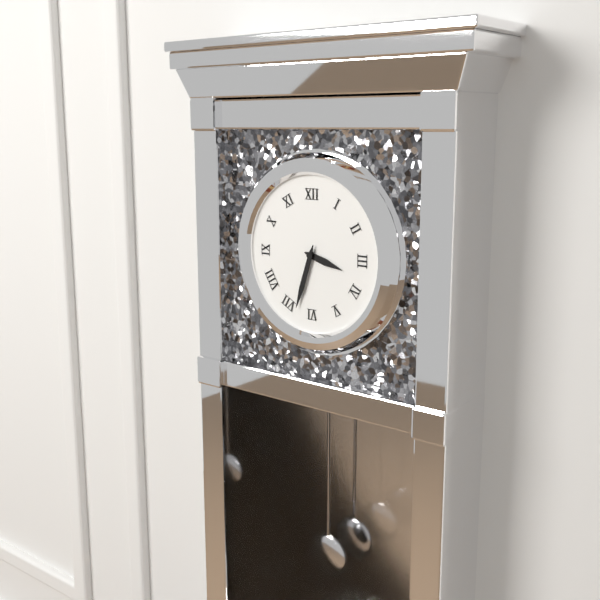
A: 3 h 33 min
